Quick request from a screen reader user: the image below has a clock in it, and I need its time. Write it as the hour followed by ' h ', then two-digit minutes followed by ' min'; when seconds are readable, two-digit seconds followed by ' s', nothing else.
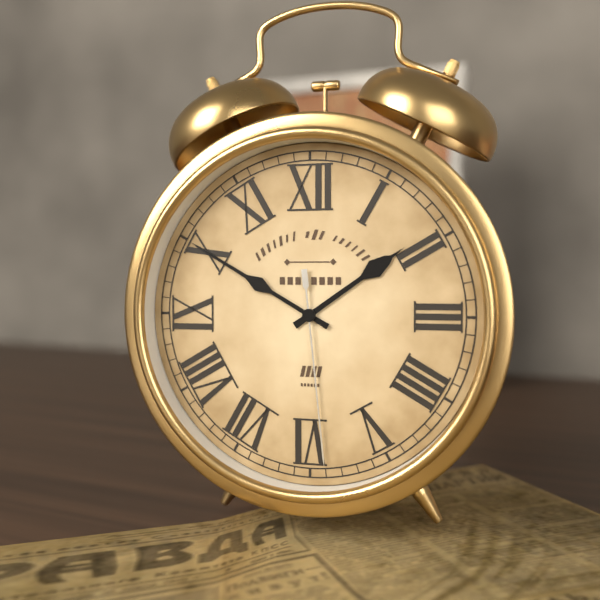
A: 1 h 50 min 29 s
